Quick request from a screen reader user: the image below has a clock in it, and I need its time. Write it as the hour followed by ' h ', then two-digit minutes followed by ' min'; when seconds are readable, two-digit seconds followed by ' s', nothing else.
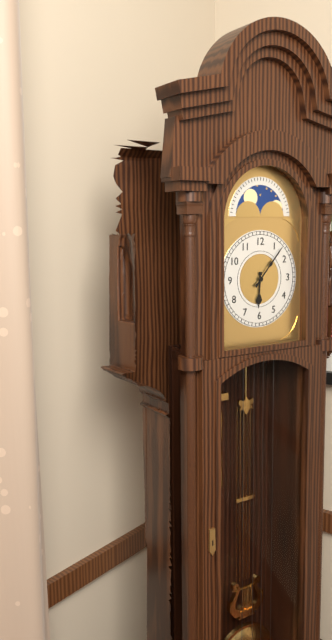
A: 6 h 07 min
